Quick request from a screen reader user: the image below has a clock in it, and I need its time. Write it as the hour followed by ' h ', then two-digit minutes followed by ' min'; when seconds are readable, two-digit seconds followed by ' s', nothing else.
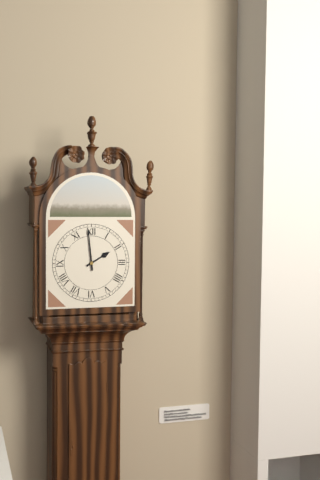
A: 1 h 59 min
